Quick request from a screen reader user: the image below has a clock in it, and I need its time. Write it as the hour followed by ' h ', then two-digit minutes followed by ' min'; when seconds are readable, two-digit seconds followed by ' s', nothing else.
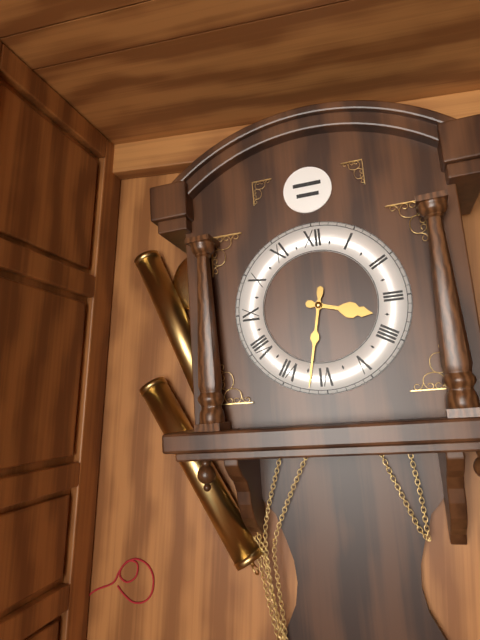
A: 3 h 32 min
